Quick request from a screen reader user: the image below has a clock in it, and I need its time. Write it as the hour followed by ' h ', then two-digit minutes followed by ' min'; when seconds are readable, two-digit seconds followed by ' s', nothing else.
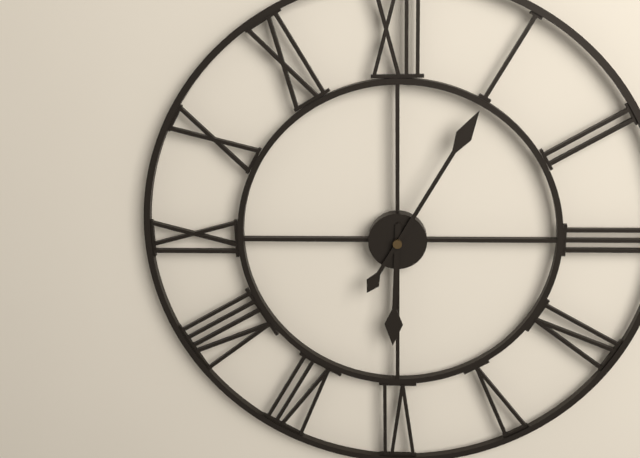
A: 6 h 05 min
